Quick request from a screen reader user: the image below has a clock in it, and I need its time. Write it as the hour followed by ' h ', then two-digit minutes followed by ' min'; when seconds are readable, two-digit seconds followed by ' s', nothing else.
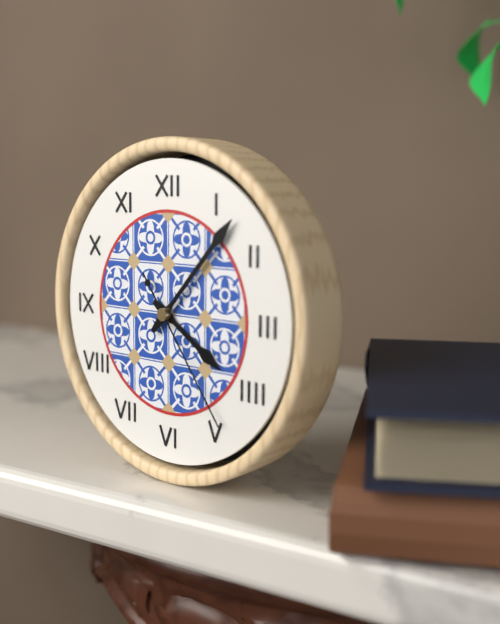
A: 4 h 07 min 24 s
